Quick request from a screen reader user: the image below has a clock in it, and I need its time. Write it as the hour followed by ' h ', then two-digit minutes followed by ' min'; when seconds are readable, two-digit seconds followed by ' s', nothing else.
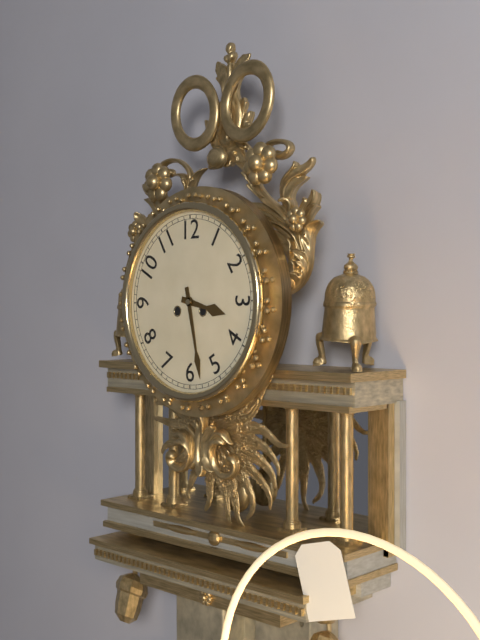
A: 3 h 28 min
